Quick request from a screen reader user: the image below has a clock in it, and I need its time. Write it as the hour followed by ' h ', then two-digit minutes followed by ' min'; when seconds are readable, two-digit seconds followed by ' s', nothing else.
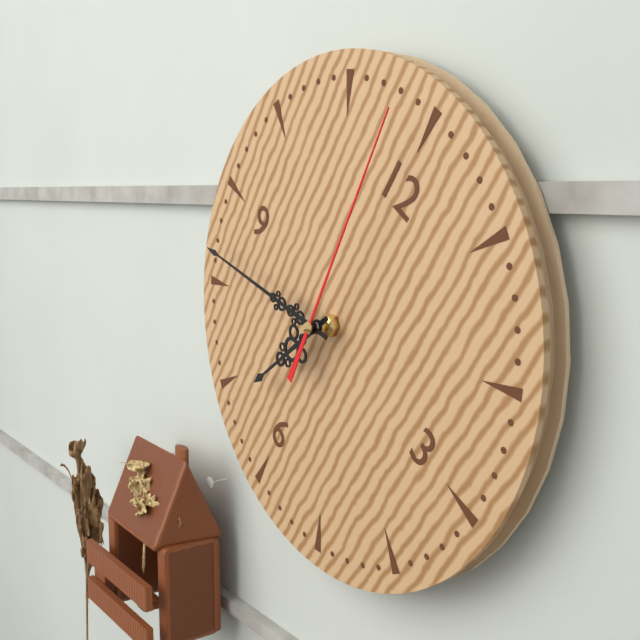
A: 6 h 42 min 59 s
